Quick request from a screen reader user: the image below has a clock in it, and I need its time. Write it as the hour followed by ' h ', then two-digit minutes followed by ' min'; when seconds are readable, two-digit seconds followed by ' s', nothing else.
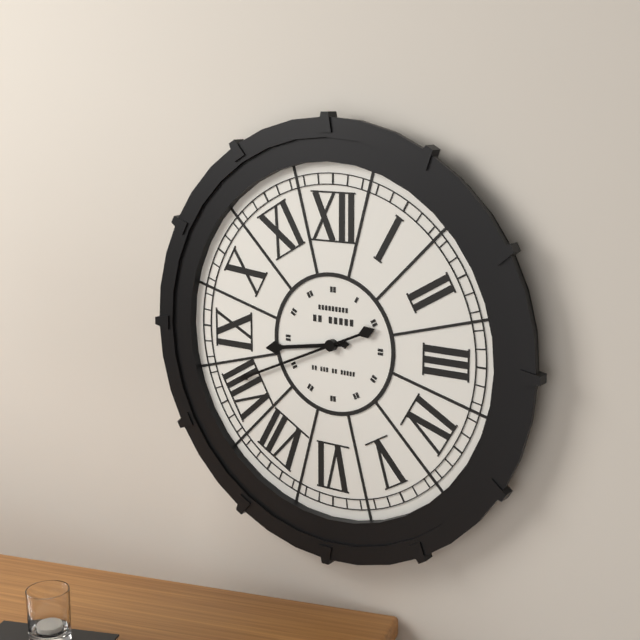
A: 8 h 41 min
